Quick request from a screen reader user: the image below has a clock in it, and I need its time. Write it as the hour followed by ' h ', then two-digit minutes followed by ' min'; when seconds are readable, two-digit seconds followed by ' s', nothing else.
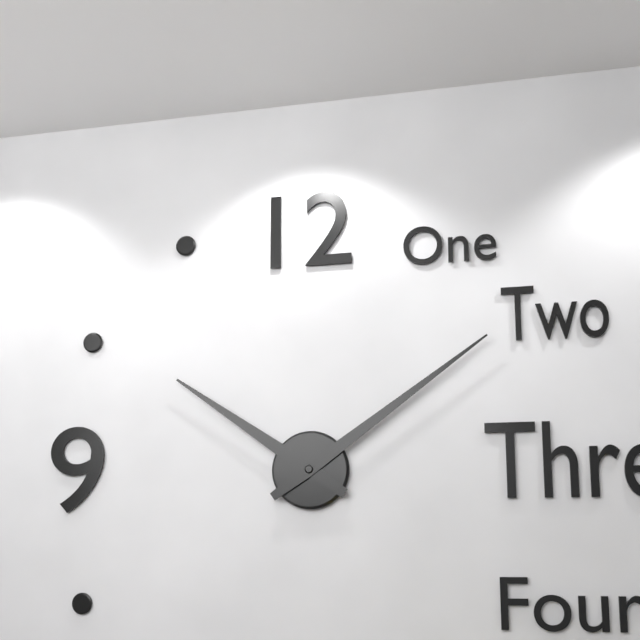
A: 10 h 09 min
